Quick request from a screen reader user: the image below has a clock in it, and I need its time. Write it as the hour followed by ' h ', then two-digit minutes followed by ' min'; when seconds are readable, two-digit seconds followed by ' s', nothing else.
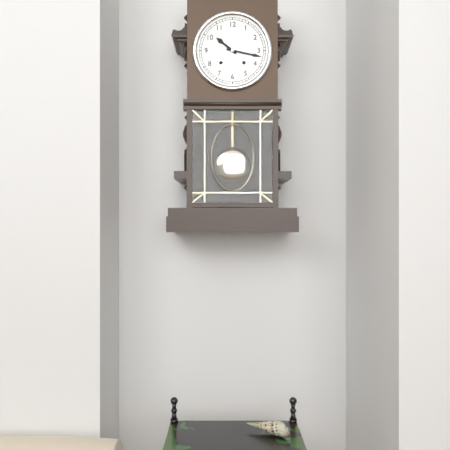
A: 10 h 17 min
